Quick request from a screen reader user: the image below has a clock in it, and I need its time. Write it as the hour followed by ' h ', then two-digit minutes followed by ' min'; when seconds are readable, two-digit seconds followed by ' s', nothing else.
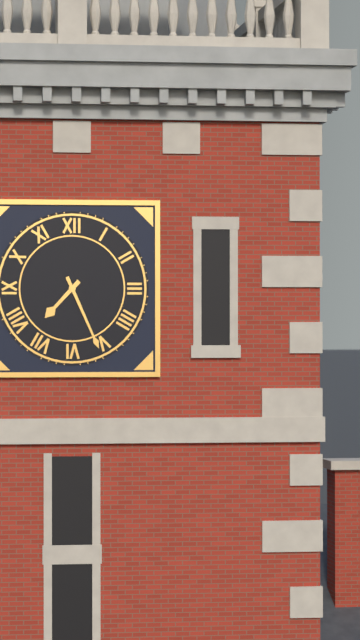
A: 7 h 26 min
